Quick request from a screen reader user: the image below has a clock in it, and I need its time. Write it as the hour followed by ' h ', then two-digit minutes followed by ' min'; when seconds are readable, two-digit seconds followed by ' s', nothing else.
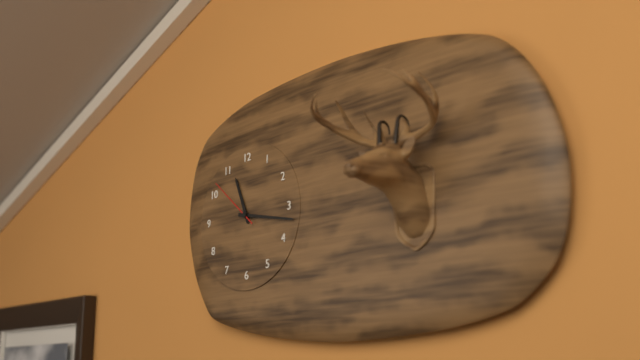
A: 11 h 17 min 52 s
